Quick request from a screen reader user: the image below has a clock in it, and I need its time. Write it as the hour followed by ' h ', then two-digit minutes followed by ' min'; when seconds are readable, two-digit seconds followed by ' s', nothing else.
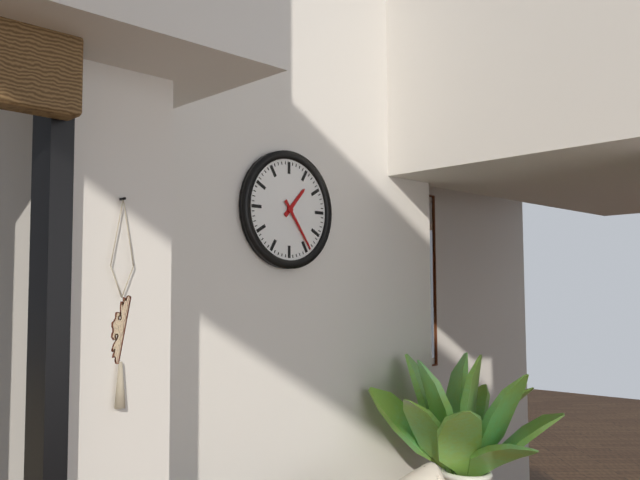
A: 1 h 24 min
